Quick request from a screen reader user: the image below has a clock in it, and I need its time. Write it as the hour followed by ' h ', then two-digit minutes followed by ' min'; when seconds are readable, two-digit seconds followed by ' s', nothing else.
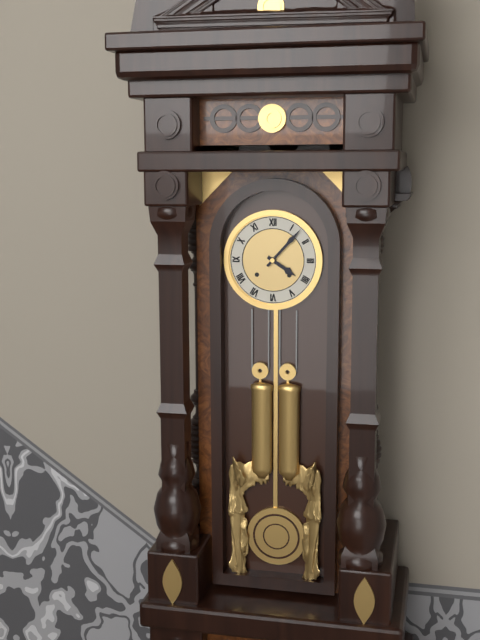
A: 4 h 07 min
